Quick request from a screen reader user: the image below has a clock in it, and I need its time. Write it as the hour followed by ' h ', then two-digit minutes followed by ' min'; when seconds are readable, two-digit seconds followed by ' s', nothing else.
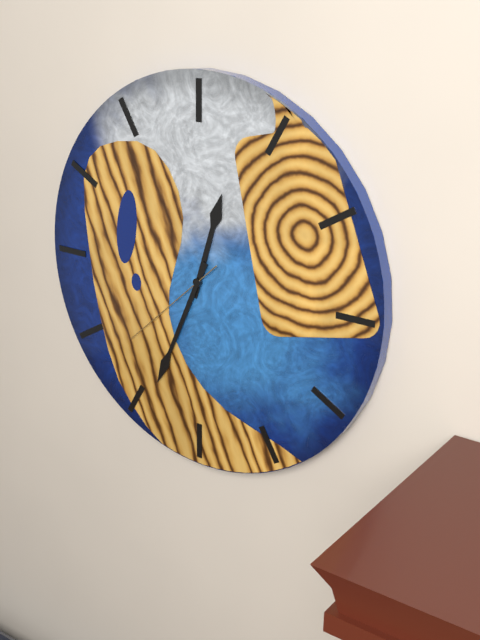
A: 12 h 34 min 38 s
